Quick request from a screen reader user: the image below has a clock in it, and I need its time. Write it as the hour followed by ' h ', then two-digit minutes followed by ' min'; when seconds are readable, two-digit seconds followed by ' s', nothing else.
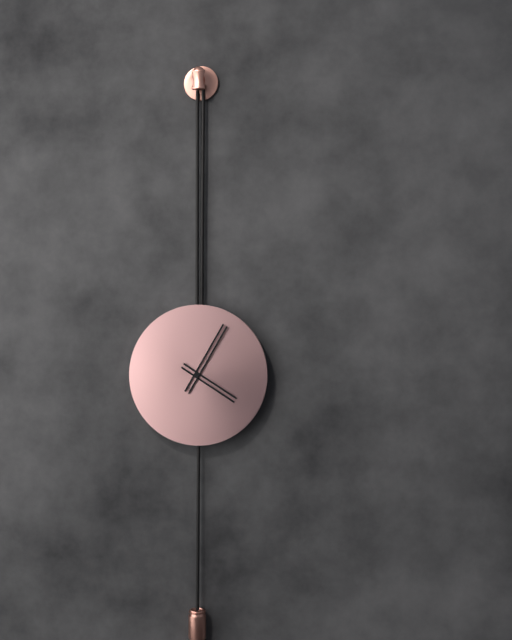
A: 4 h 05 min
